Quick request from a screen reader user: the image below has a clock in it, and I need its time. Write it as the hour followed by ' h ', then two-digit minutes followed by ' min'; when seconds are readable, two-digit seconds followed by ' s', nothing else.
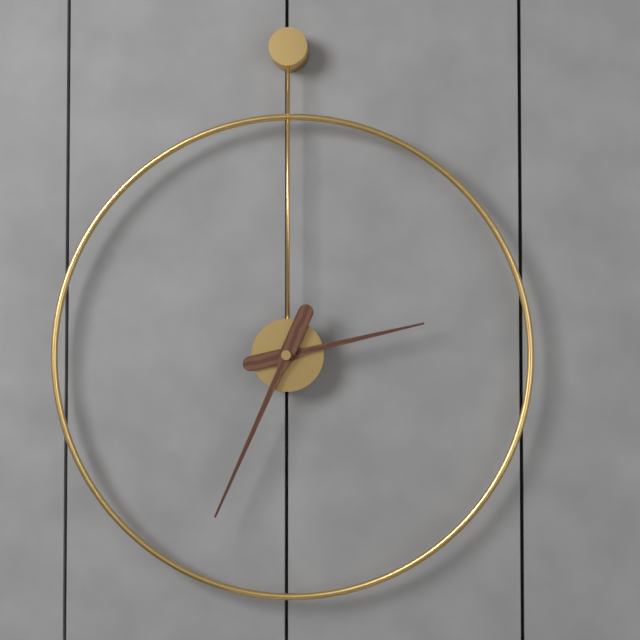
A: 2 h 34 min
